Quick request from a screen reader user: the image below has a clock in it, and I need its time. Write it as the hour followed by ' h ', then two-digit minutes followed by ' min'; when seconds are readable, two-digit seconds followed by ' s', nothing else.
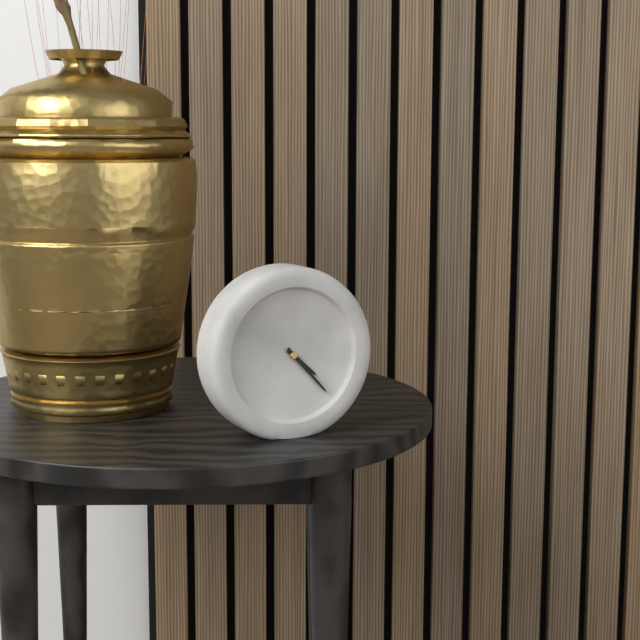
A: 4 h 23 min
